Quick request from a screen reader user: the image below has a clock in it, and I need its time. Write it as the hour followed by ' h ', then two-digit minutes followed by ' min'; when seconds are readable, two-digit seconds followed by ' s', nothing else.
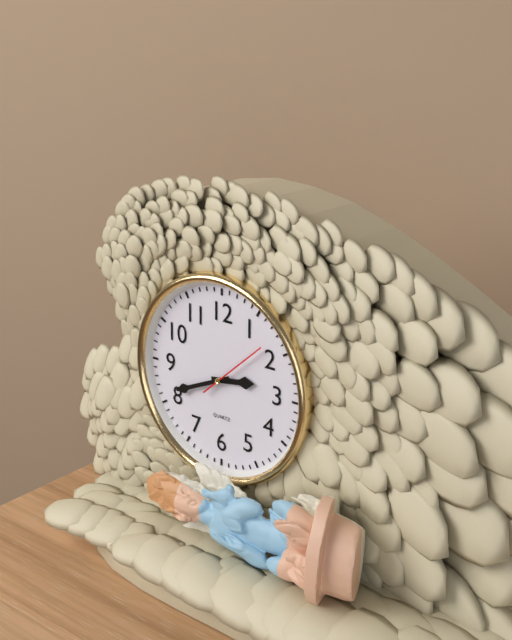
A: 2 h 41 min 08 s
